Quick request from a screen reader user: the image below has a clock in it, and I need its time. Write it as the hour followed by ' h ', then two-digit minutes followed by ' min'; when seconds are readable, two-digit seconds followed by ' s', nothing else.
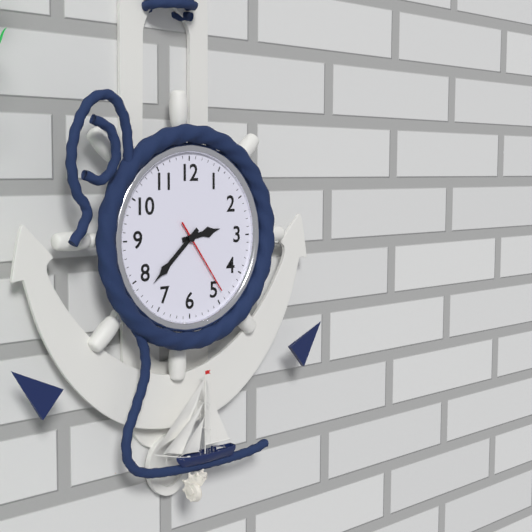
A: 2 h 38 min 24 s
